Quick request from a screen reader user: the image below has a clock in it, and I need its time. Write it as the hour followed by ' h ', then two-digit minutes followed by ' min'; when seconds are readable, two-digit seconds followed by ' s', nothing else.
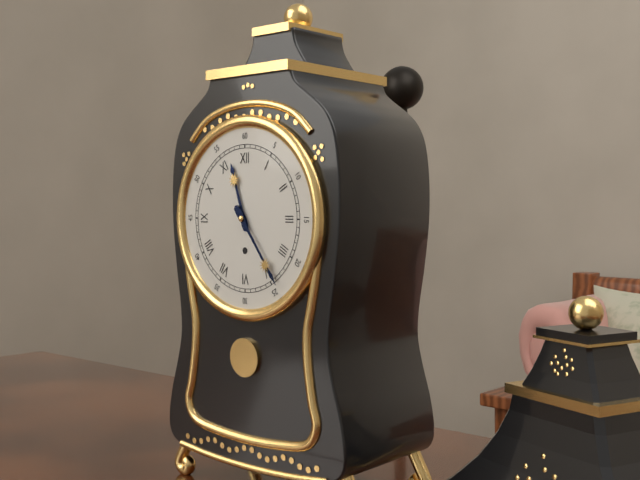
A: 11 h 24 min
